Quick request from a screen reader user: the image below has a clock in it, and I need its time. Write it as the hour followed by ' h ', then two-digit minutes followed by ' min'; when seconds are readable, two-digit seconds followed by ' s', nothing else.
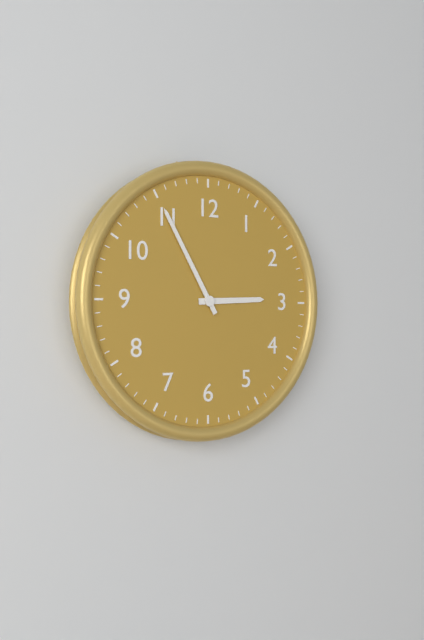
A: 2 h 55 min
